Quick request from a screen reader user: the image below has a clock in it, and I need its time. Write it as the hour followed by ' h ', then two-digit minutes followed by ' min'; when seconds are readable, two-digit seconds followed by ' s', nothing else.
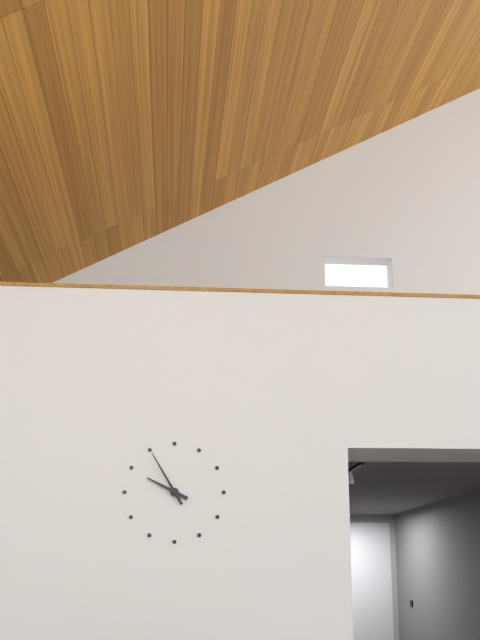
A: 9 h 55 min
